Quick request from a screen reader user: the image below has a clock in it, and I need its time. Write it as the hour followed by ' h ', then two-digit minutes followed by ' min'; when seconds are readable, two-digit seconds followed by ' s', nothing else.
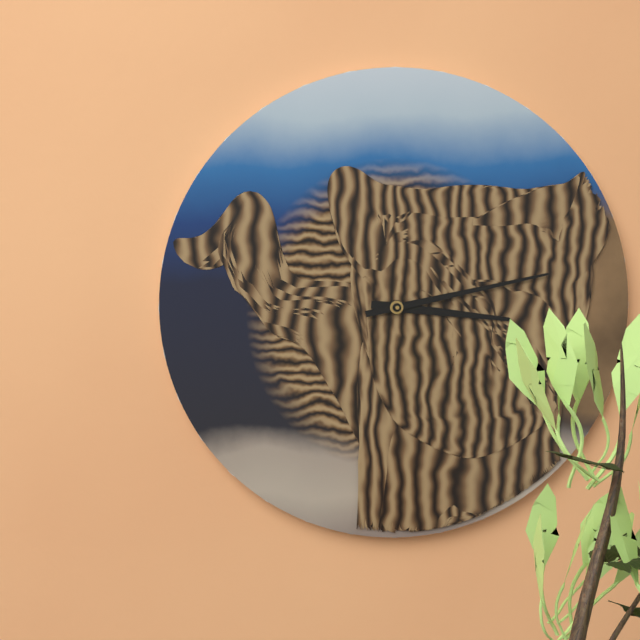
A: 3 h 13 min
